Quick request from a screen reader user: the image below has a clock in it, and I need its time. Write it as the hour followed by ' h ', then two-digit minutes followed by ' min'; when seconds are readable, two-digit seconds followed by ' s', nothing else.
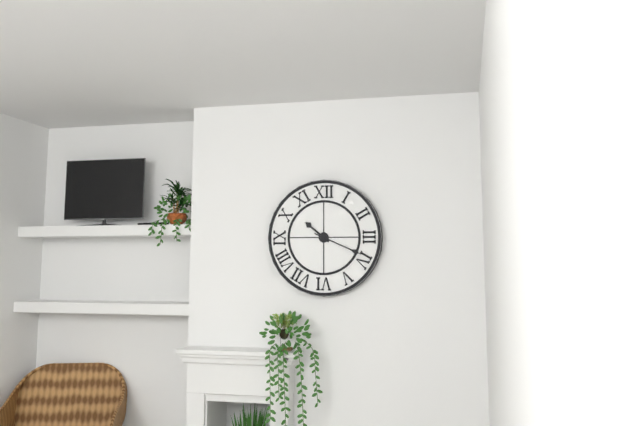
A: 10 h 19 min
